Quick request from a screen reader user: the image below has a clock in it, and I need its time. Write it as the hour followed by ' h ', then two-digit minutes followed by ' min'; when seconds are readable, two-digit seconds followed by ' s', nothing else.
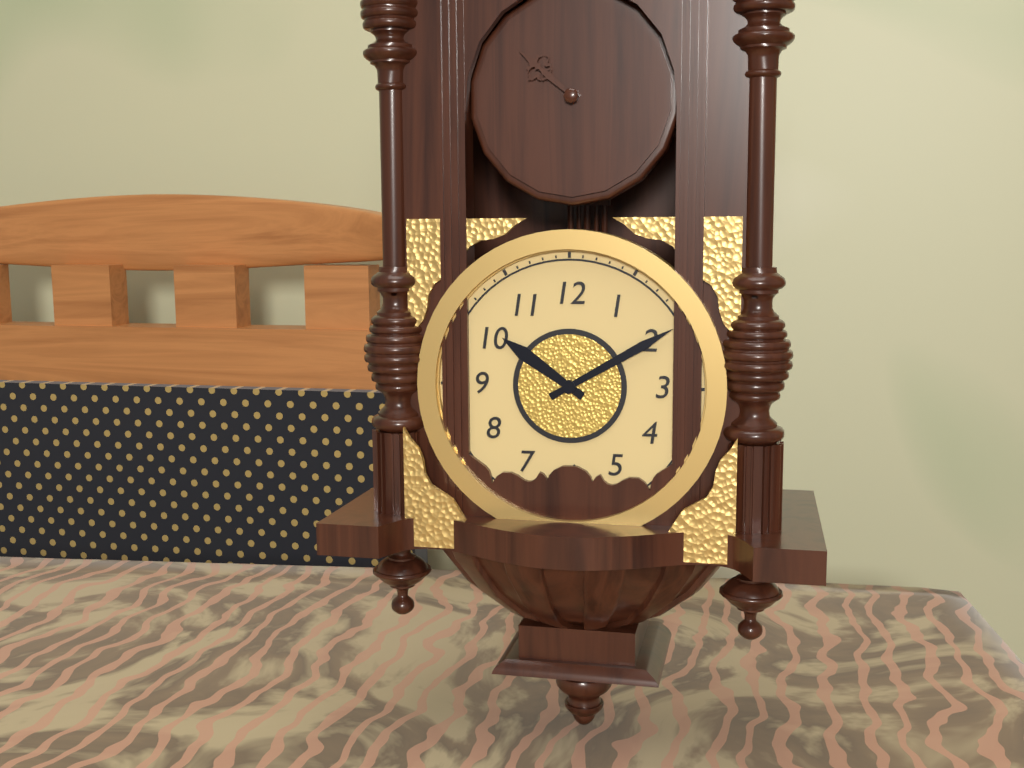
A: 10 h 10 min
